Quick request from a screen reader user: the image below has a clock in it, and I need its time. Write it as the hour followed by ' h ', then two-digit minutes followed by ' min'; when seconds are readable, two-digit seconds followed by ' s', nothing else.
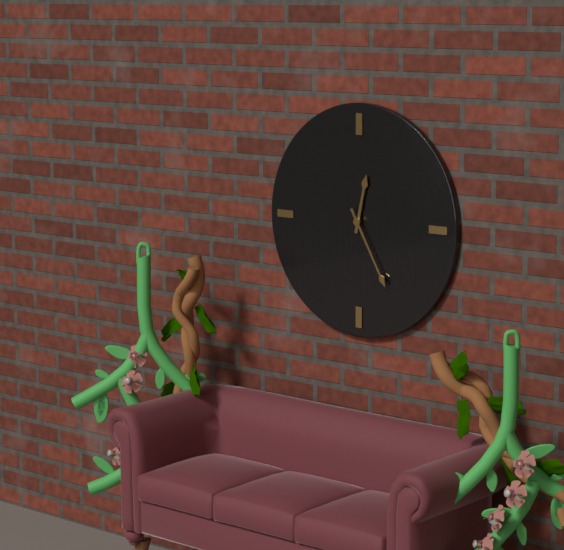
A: 12 h 25 min
